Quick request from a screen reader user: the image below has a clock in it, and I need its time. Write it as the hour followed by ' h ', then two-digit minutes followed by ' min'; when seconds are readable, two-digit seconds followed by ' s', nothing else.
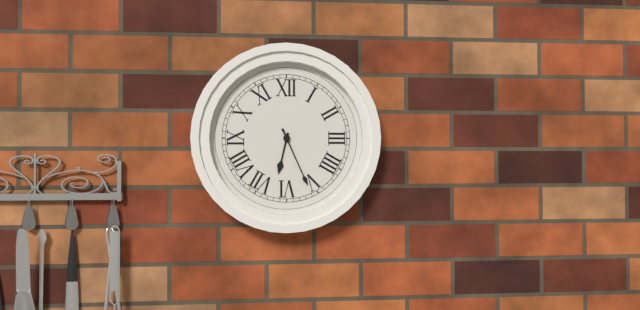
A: 6 h 26 min
